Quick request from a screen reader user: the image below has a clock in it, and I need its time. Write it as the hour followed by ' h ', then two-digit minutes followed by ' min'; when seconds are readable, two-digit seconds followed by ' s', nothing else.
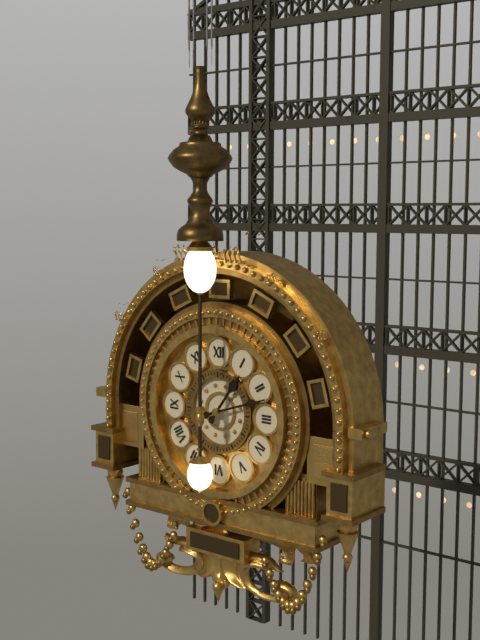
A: 1 h 12 min
